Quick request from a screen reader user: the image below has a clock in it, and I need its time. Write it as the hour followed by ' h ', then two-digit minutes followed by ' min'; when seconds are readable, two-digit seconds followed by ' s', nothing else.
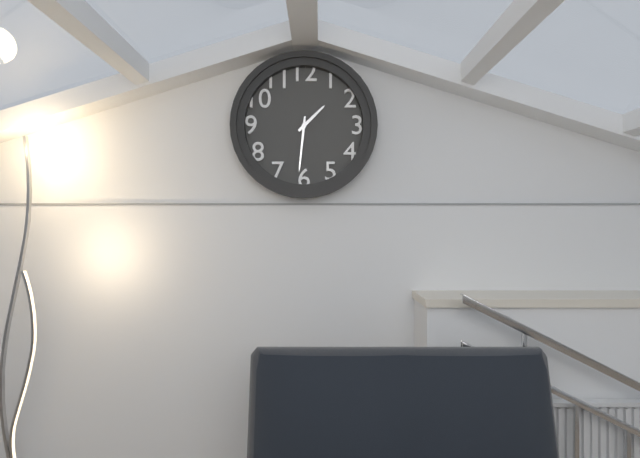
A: 1 h 31 min
